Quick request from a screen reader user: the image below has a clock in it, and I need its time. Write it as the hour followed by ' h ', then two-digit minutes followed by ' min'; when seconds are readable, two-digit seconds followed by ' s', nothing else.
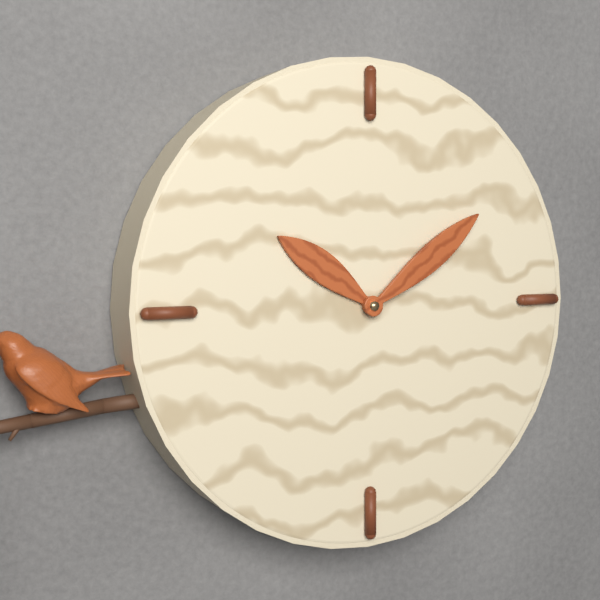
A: 10 h 09 min
